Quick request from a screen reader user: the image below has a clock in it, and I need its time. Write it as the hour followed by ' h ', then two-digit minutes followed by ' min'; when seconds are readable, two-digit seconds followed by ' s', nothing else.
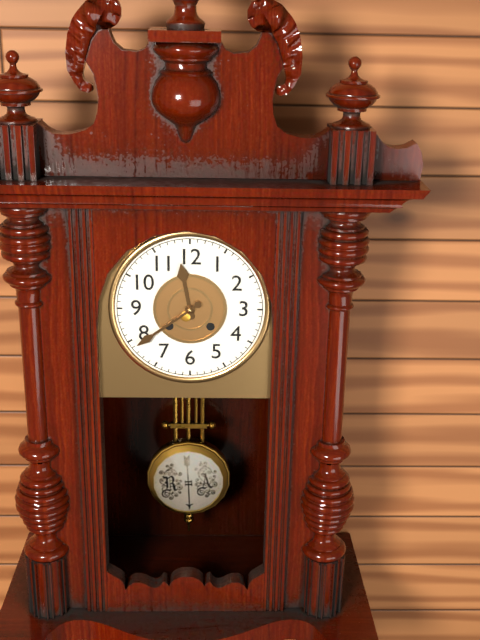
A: 11 h 39 min
